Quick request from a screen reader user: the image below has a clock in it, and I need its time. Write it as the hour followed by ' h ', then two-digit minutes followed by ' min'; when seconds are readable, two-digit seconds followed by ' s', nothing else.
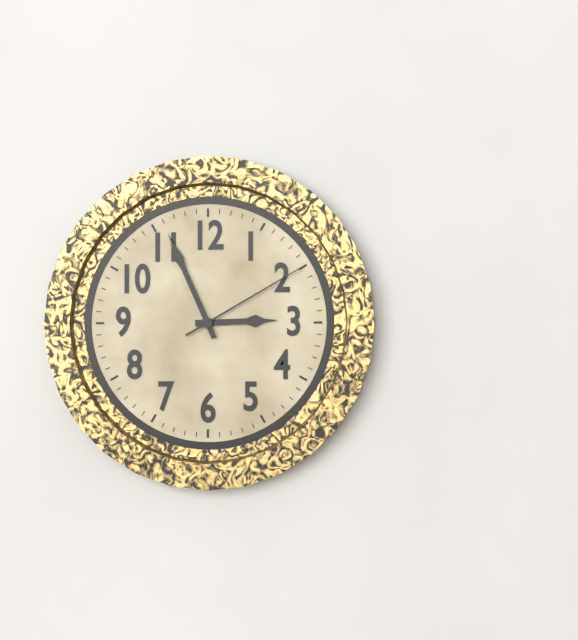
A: 2 h 56 min 10 s
